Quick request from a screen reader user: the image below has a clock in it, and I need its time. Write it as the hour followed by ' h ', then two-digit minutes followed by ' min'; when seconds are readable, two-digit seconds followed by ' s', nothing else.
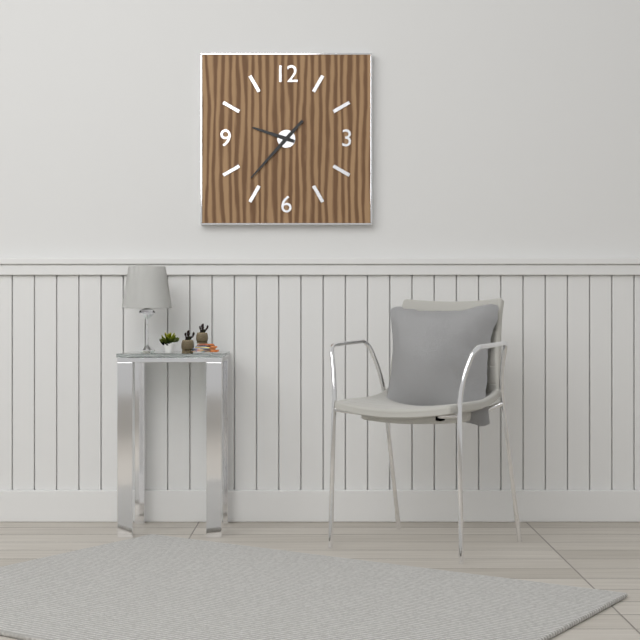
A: 9 h 37 min
